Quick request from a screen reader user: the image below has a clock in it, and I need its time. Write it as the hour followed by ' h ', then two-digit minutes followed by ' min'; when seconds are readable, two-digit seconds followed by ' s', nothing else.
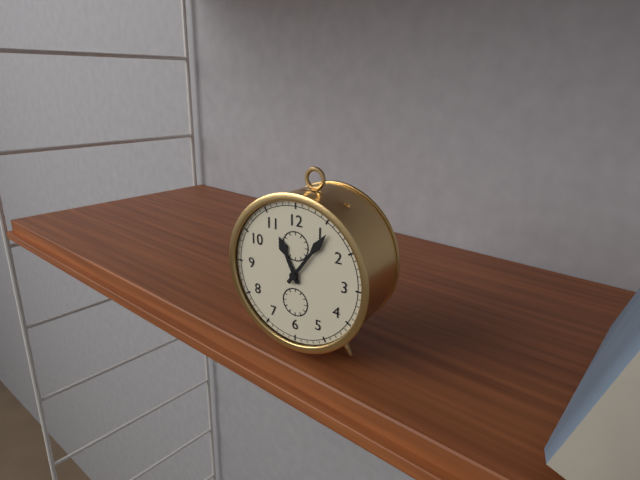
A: 11 h 06 min
